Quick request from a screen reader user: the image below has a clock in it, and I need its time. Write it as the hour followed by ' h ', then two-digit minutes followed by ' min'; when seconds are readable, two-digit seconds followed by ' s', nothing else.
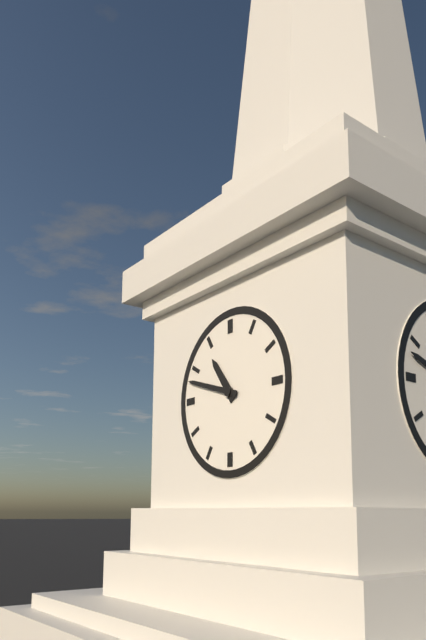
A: 10 h 48 min
